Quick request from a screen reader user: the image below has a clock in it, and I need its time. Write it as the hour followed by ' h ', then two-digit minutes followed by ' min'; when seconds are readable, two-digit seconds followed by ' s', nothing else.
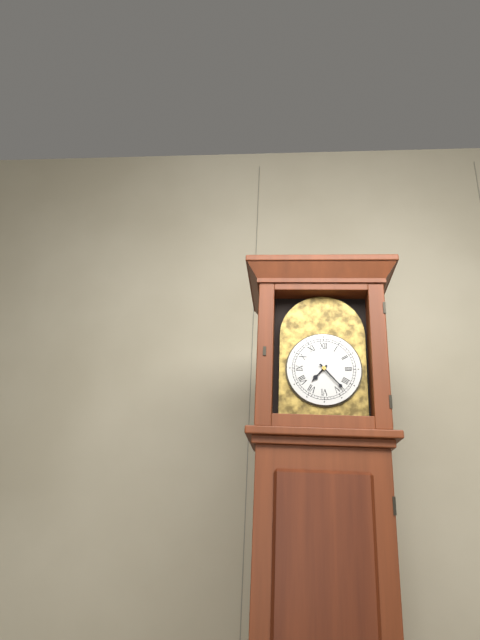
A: 7 h 23 min
